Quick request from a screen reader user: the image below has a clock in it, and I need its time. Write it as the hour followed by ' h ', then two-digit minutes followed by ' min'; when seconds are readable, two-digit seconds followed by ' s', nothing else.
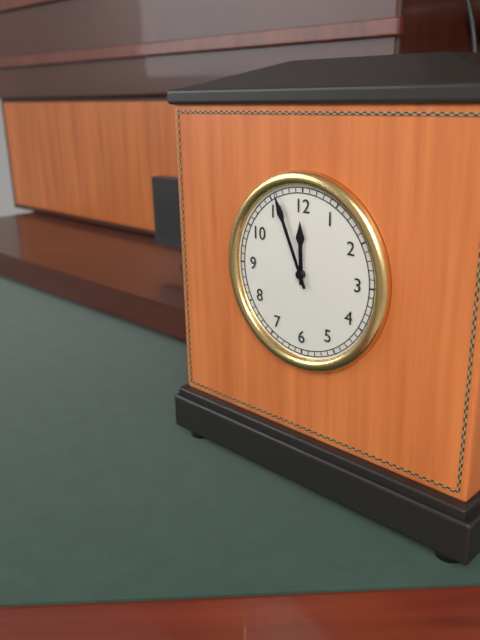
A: 11 h 56 min
